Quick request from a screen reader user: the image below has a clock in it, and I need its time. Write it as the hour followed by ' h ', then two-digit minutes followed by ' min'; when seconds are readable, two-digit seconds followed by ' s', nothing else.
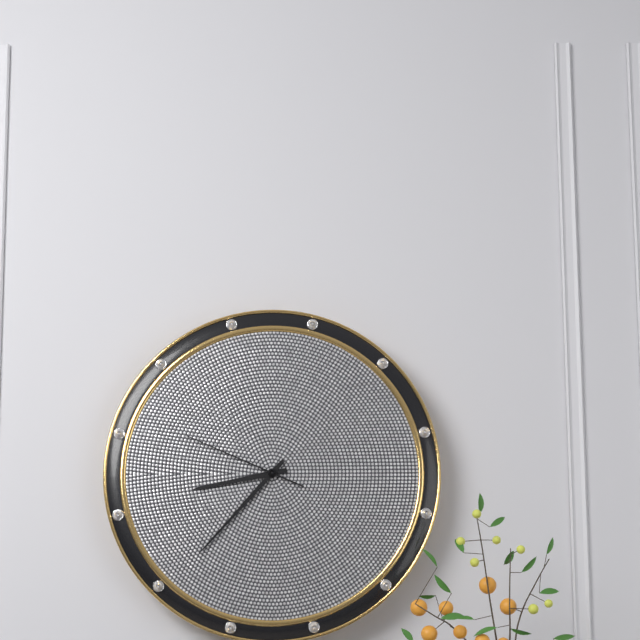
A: 8 h 37 min 49 s
